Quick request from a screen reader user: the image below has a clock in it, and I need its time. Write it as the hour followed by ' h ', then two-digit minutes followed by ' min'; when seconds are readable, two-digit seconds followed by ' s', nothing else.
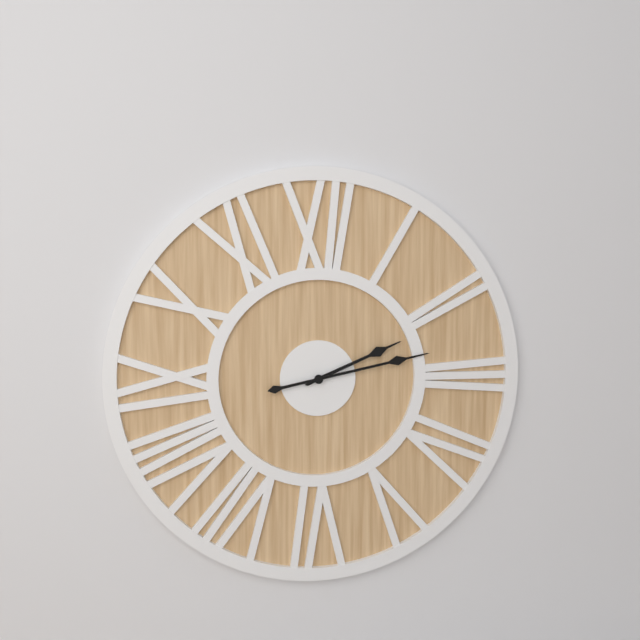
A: 2 h 13 min
